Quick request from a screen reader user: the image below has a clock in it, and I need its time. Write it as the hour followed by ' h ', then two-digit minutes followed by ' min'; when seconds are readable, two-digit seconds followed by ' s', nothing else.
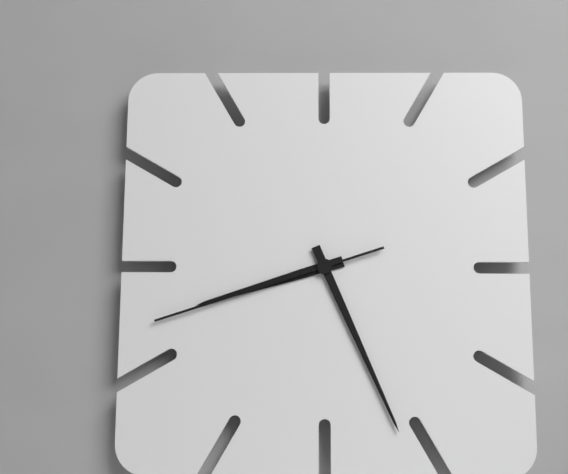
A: 8 h 26 min 42 s
